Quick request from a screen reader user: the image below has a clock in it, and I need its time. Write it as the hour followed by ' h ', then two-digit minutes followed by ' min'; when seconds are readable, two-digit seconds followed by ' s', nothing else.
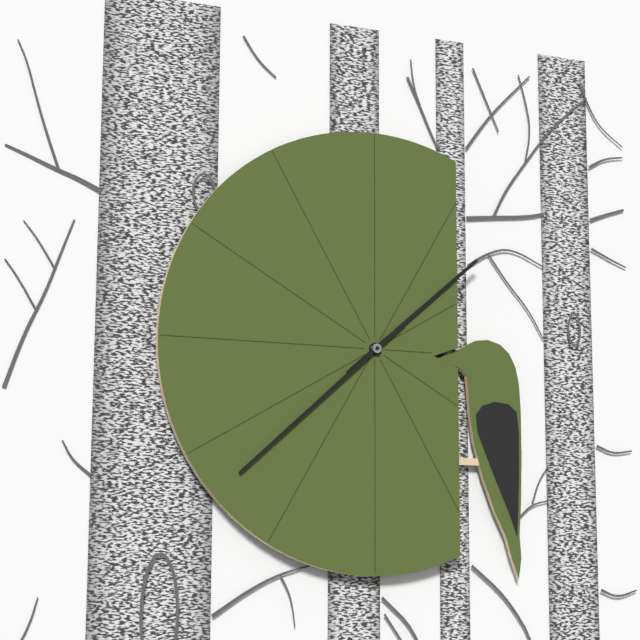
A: 1 h 38 min
